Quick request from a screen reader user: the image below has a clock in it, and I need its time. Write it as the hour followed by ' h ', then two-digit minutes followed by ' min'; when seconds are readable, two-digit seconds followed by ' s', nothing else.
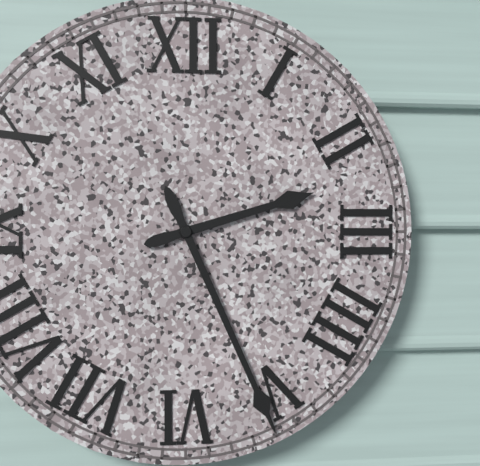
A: 2 h 26 min
